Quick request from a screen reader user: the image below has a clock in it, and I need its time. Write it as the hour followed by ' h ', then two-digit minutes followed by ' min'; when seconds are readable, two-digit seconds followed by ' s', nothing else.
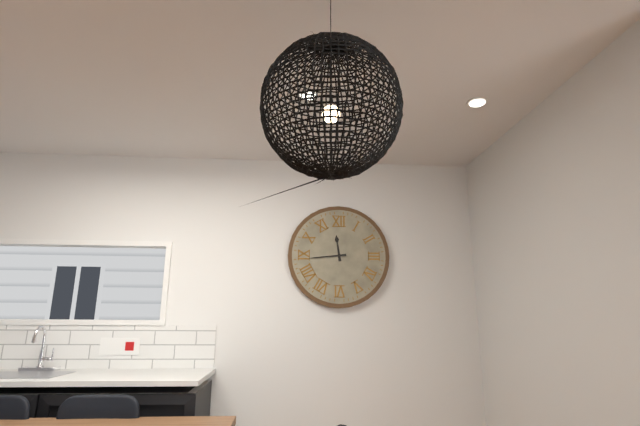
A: 11 h 44 min
